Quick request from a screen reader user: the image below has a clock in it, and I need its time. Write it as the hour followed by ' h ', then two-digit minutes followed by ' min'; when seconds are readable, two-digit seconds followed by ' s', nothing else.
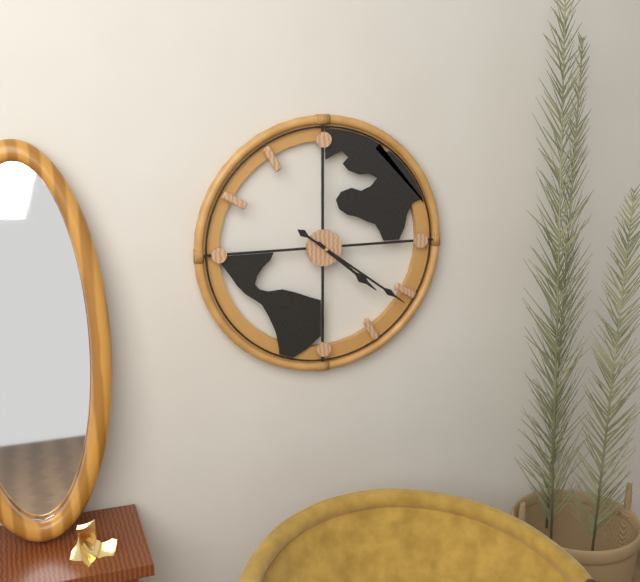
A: 4 h 21 min
